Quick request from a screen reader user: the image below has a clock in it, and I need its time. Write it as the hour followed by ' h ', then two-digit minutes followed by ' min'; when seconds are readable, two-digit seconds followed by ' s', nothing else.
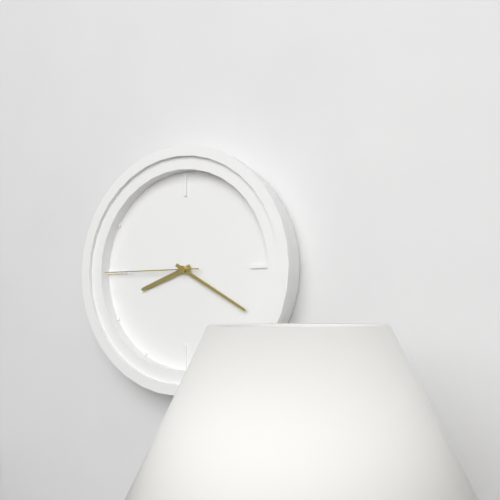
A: 8 h 20 min 45 s
